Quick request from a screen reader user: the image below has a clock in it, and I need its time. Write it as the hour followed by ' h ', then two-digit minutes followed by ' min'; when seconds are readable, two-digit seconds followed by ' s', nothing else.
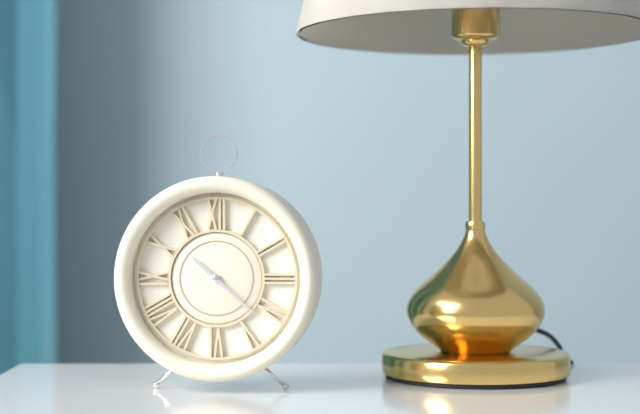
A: 10 h 22 min
